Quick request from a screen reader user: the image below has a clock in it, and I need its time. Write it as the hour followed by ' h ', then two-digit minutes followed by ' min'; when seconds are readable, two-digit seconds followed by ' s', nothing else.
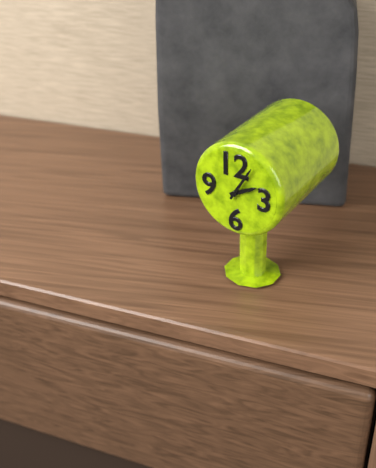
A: 2 h 05 min
